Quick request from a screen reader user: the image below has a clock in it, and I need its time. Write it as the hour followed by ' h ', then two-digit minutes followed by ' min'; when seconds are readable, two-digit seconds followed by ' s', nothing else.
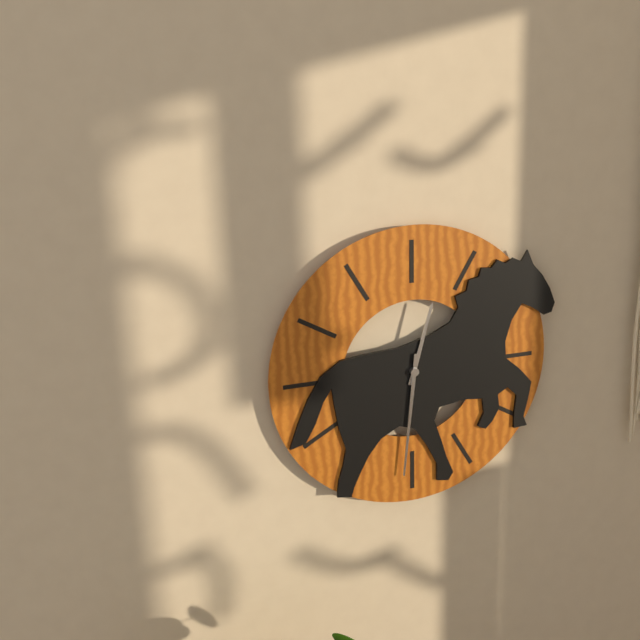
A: 12 h 31 min
